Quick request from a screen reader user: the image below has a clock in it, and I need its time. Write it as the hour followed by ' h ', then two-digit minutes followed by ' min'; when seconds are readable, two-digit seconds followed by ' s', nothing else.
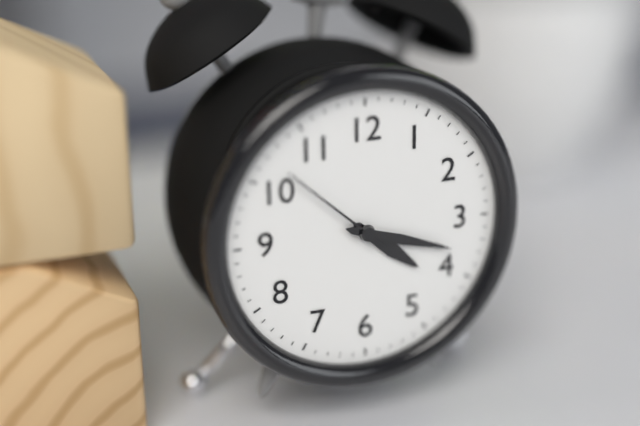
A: 4 h 18 min 52 s
